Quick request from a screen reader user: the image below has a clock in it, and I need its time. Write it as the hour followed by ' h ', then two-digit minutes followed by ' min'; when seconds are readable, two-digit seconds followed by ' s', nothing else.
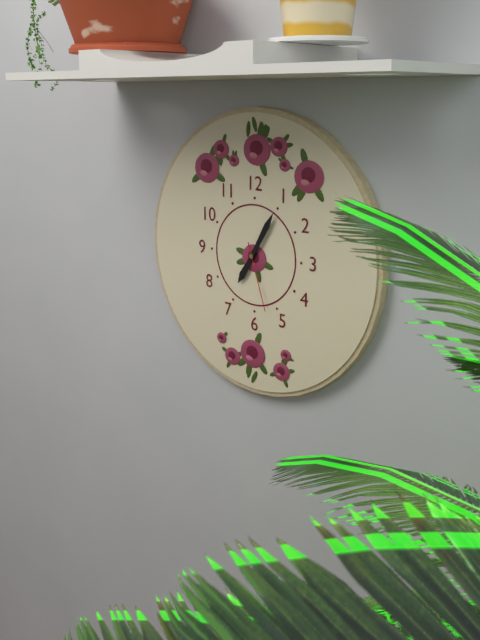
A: 7 h 05 min 27 s
